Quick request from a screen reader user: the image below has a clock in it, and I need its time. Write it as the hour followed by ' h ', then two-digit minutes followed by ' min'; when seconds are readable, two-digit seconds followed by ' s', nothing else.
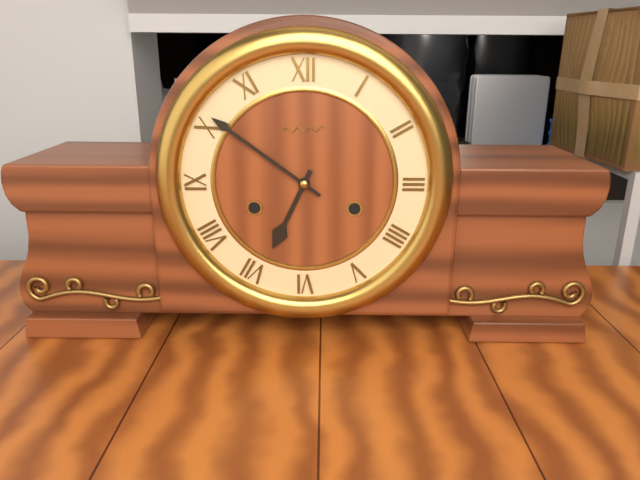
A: 6 h 51 min
